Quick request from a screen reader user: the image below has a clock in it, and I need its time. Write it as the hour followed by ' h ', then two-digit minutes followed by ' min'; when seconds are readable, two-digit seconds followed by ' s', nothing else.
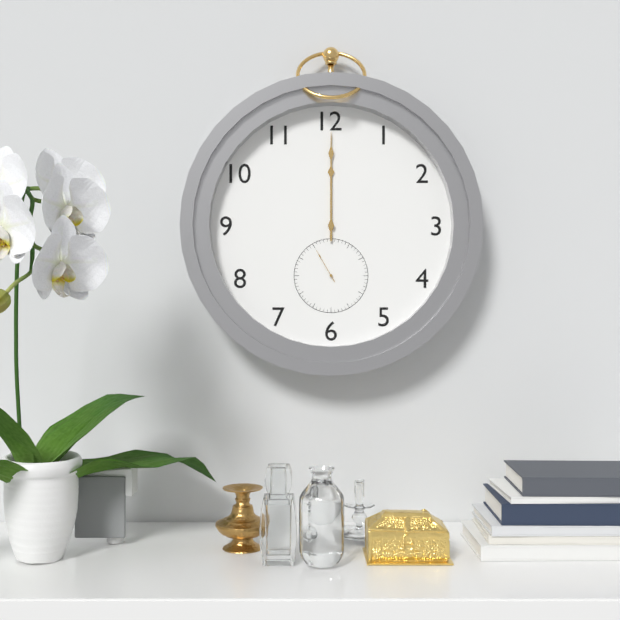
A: 12 h 00 min
